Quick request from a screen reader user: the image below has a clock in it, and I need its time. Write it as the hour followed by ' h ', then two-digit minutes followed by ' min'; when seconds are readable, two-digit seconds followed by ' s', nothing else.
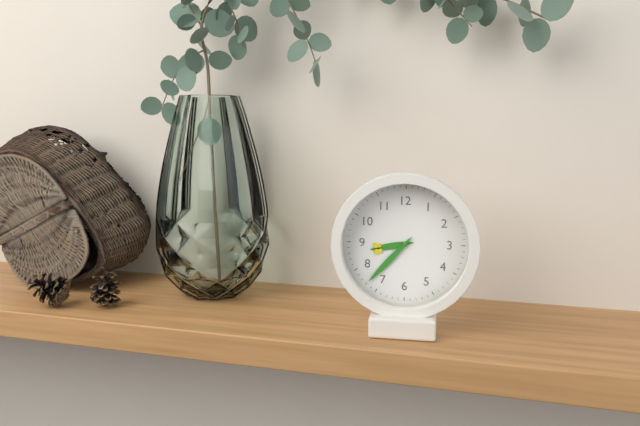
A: 8 h 37 min
